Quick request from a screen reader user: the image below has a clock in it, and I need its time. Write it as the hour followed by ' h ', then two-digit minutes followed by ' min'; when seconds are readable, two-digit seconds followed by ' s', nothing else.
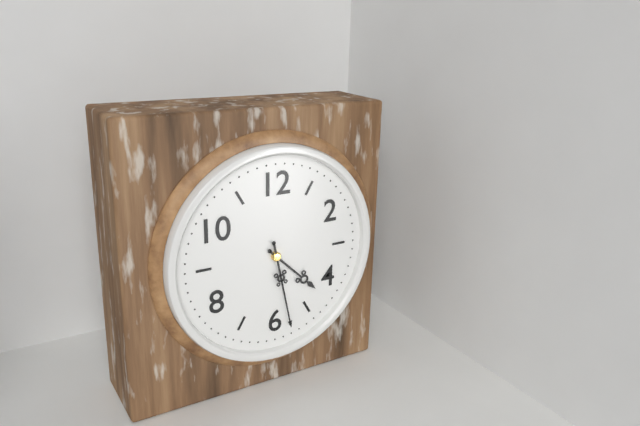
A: 4 h 28 min
